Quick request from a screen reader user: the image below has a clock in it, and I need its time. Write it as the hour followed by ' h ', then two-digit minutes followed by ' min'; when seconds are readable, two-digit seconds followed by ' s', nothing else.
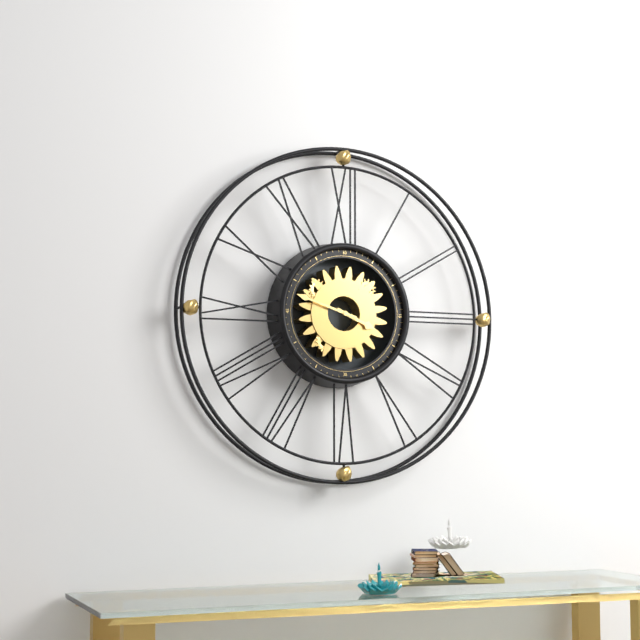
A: 3 h 48 min
